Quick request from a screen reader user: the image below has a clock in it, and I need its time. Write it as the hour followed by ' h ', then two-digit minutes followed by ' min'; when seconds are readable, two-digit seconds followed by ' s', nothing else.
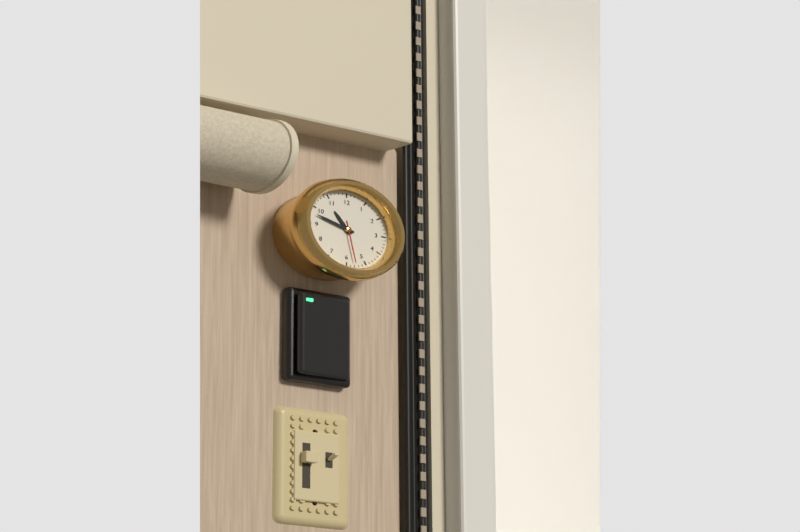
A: 10 h 48 min
